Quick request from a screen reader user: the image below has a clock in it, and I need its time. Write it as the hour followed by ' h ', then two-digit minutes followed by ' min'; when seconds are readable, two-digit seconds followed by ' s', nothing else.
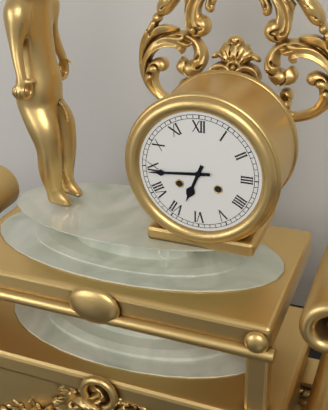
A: 6 h 44 min
